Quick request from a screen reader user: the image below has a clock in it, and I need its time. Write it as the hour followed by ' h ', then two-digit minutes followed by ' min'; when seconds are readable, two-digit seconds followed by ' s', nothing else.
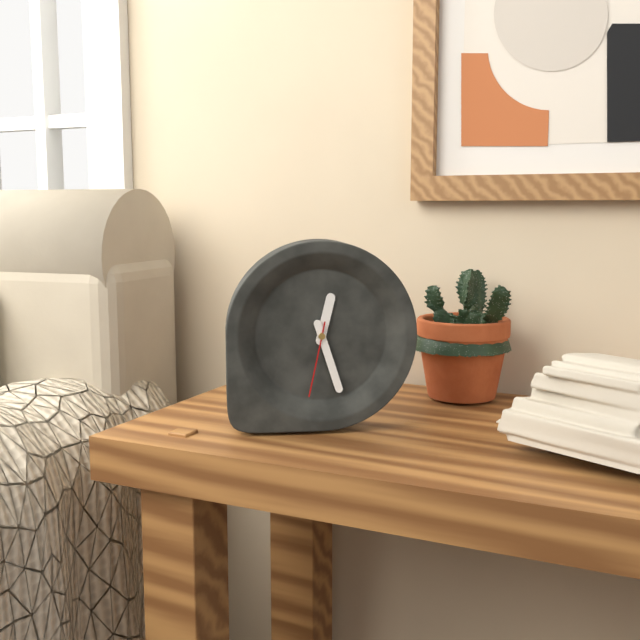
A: 12 h 27 min 32 s
